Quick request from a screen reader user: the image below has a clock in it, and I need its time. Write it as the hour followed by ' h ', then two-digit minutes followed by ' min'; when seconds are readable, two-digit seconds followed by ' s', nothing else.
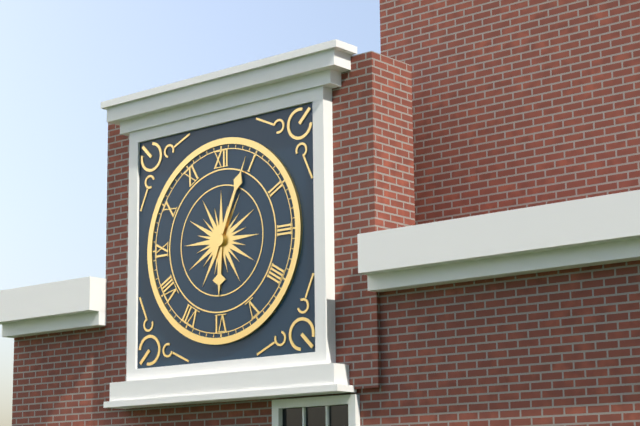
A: 6 h 04 min
